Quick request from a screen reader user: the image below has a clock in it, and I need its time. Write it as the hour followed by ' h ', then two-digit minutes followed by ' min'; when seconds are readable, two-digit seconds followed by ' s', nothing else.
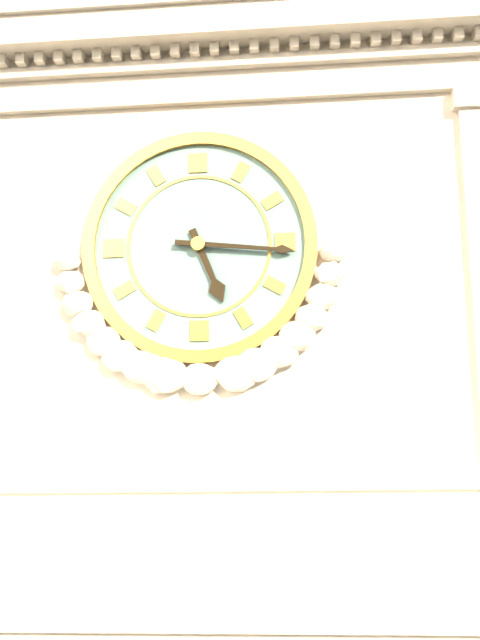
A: 5 h 16 min
